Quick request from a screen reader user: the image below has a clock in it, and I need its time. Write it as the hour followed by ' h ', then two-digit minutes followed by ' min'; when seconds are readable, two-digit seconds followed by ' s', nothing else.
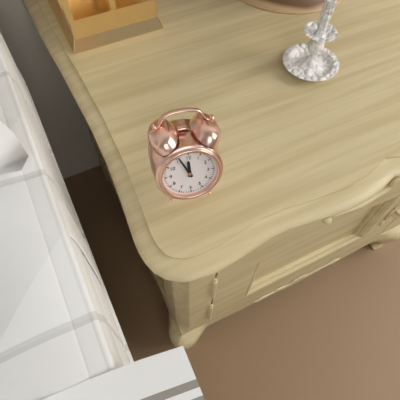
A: 11 h 56 min
